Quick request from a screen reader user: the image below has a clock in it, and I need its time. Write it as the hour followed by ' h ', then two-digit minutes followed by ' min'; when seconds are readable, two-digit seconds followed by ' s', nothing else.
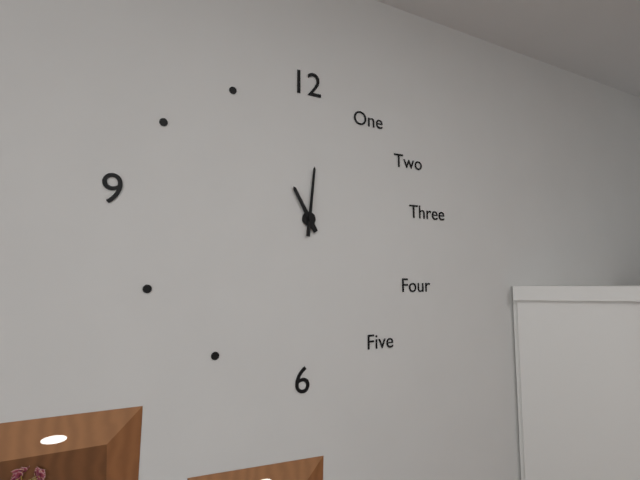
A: 11 h 01 min
